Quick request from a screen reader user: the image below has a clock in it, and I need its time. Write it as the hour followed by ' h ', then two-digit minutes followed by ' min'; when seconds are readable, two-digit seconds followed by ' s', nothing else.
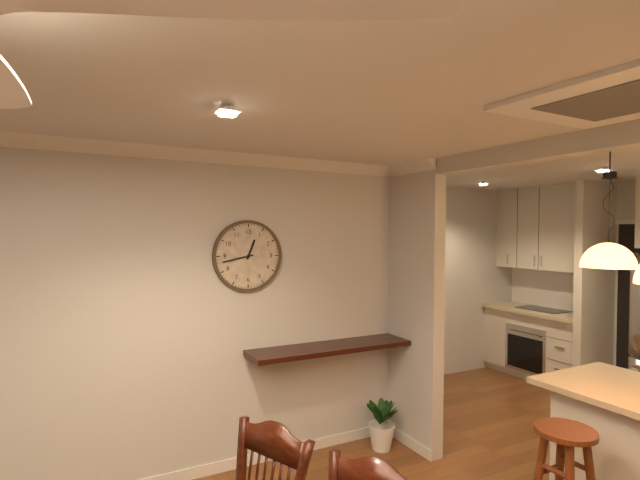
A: 12 h 43 min
